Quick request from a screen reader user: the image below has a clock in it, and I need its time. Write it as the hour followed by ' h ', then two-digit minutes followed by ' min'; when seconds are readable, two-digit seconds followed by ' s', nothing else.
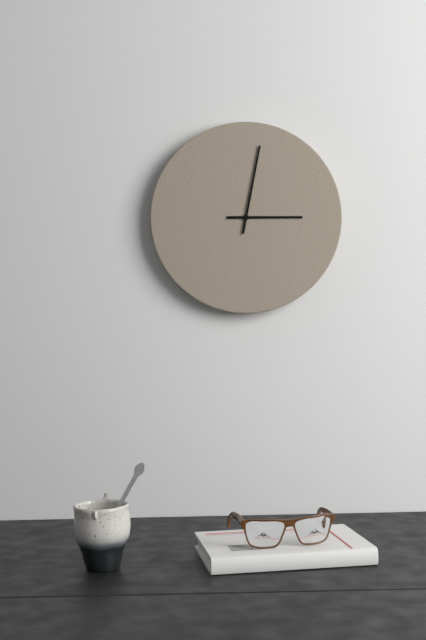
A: 3 h 02 min
